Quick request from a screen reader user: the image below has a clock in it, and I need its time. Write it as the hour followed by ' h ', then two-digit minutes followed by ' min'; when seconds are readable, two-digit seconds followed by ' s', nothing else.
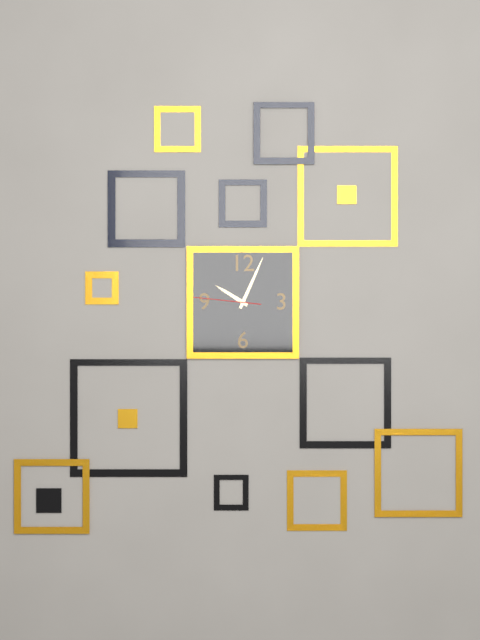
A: 10 h 04 min 46 s
